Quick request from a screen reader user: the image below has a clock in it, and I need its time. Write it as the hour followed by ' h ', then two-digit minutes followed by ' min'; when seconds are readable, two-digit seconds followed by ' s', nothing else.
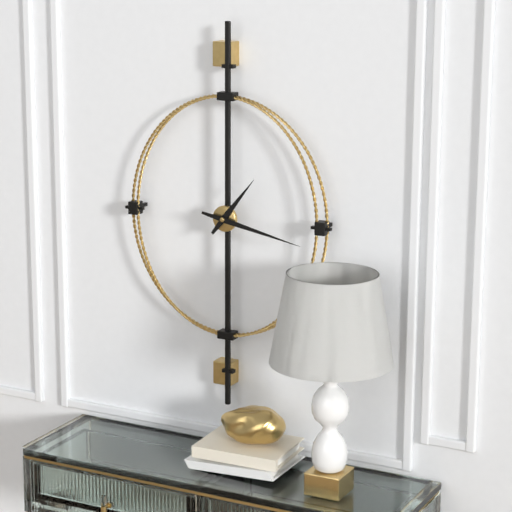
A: 1 h 17 min
